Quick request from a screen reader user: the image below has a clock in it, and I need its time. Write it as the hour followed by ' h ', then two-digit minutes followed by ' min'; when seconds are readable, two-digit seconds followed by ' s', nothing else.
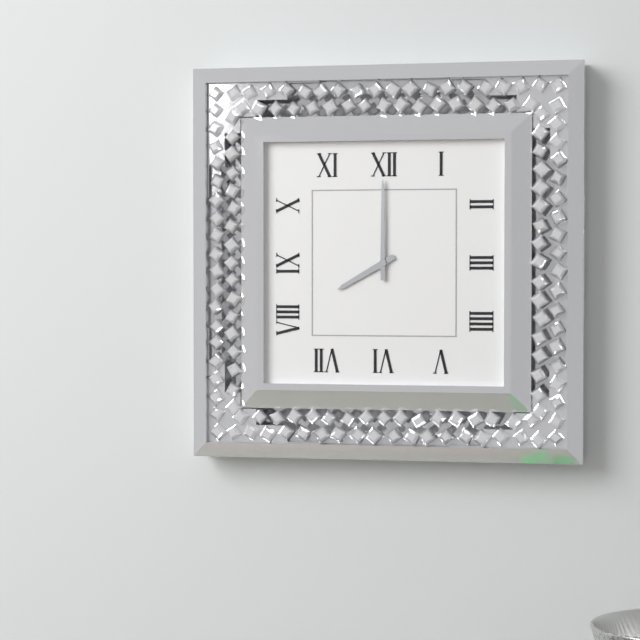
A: 8 h 00 min
